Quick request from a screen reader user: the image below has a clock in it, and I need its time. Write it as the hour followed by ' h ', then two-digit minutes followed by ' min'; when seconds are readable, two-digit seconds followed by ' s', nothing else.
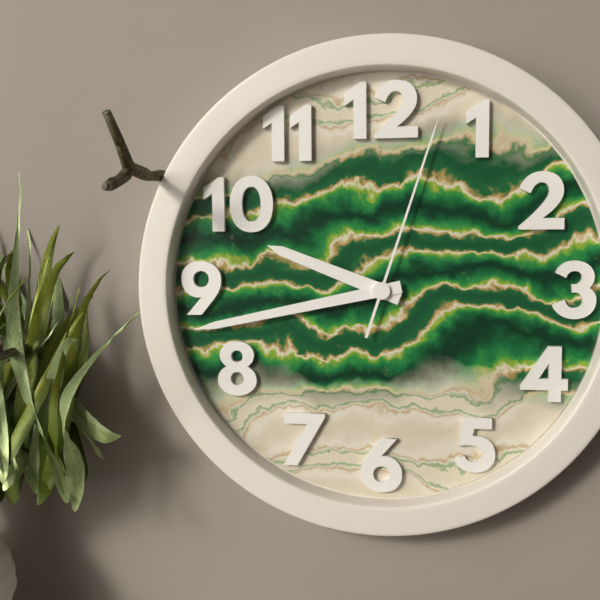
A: 9 h 43 min 03 s
